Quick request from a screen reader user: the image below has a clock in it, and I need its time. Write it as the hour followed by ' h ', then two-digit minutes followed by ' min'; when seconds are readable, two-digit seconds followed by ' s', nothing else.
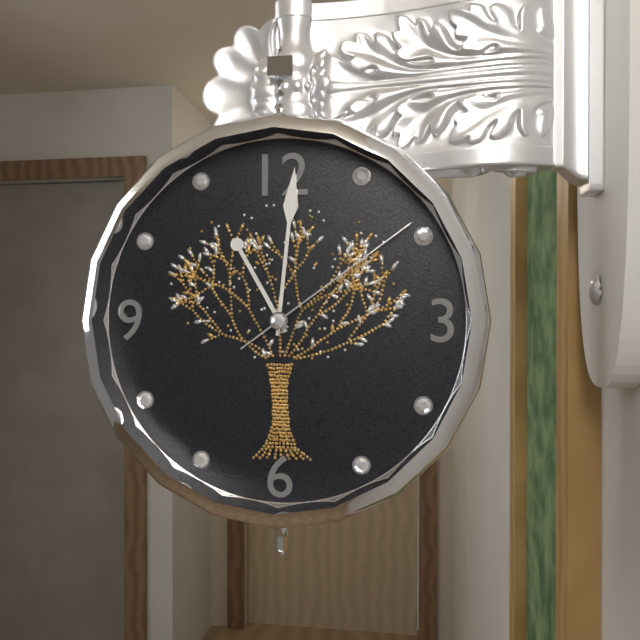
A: 11 h 01 min 09 s
